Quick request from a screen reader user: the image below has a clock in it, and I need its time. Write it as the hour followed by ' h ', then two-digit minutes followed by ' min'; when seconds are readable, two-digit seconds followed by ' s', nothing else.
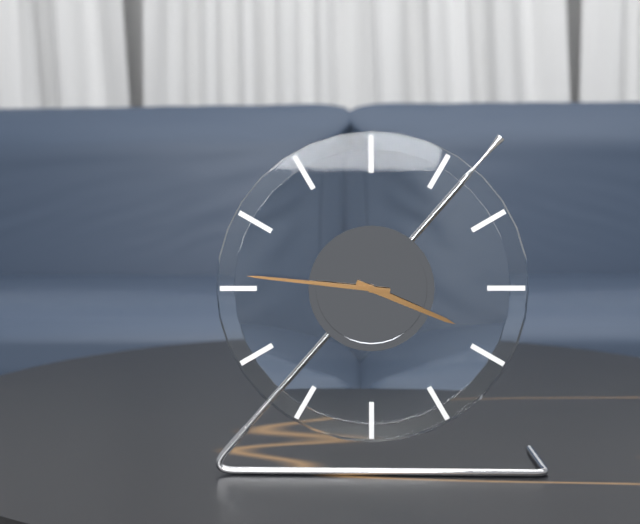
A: 3 h 46 min
